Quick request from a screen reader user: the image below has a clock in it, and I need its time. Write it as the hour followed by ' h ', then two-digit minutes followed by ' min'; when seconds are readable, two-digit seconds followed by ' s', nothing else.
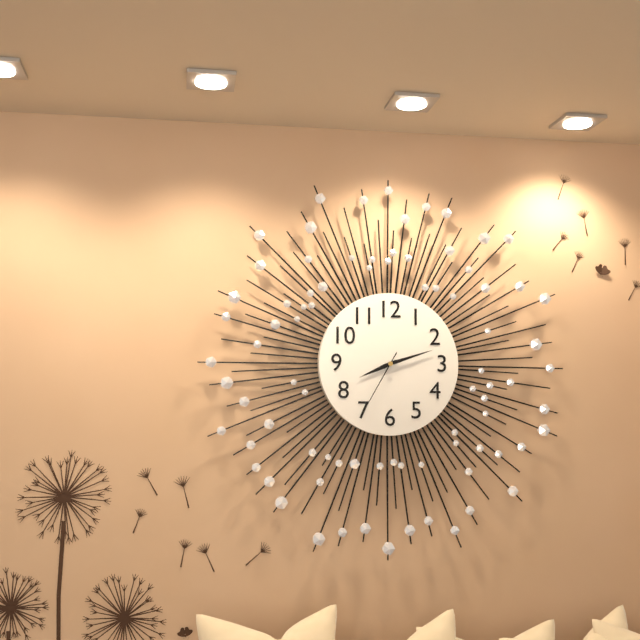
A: 8 h 12 min 35 s
